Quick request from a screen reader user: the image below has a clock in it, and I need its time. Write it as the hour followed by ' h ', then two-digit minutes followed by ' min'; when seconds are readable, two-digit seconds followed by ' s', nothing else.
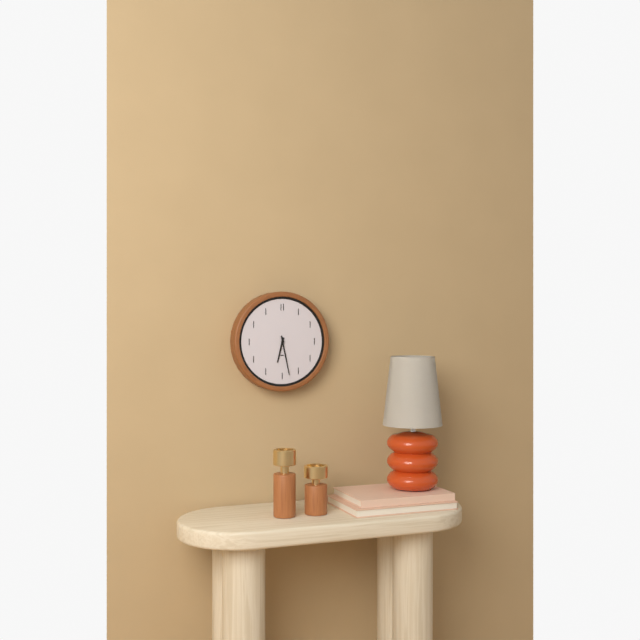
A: 6 h 28 min
